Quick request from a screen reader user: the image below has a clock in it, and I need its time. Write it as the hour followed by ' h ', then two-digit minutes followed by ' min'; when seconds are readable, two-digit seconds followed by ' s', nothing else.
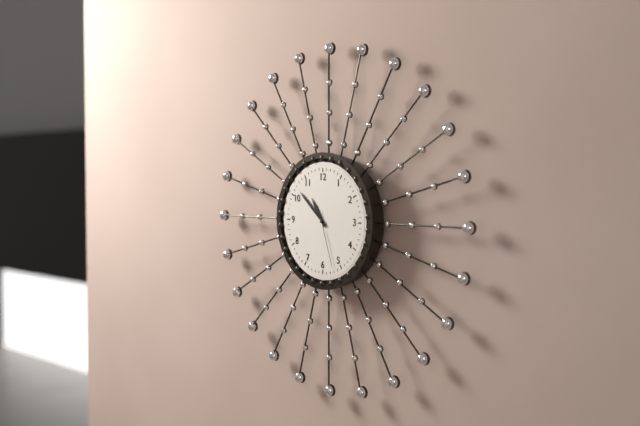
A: 10 h 52 min 27 s
